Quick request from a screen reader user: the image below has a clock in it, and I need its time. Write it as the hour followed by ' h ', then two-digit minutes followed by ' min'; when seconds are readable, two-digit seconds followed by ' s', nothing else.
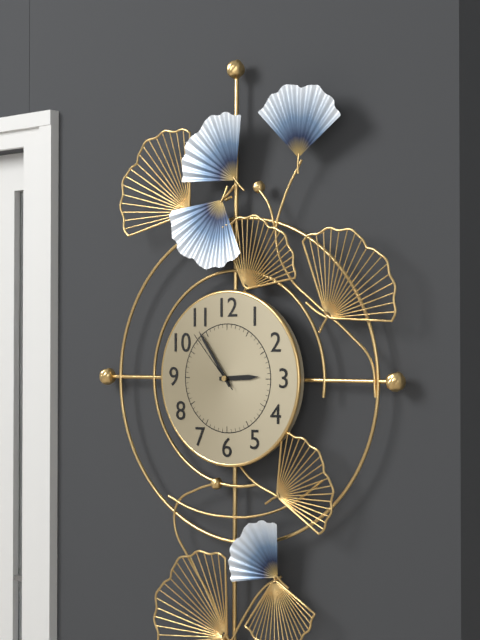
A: 2 h 54 min 53 s
